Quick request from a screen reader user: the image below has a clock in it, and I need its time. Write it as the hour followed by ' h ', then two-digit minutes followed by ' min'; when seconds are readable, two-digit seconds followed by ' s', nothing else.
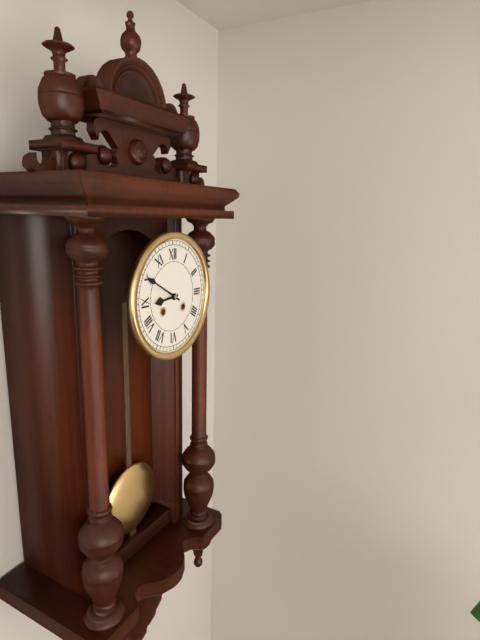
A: 8 h 50 min
